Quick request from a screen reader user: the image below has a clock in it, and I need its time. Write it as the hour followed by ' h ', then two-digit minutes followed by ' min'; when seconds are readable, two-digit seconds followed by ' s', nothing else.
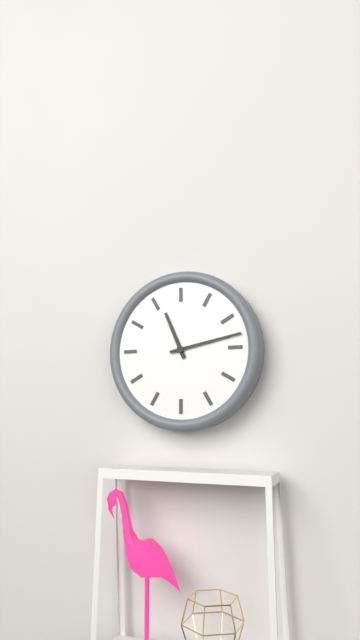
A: 11 h 13 min
